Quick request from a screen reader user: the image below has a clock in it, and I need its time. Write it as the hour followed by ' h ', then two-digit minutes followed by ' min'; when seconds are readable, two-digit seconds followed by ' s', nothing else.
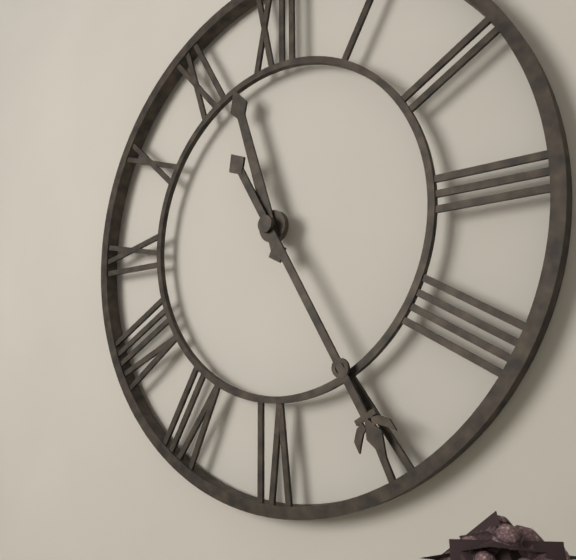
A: 11 h 25 min
